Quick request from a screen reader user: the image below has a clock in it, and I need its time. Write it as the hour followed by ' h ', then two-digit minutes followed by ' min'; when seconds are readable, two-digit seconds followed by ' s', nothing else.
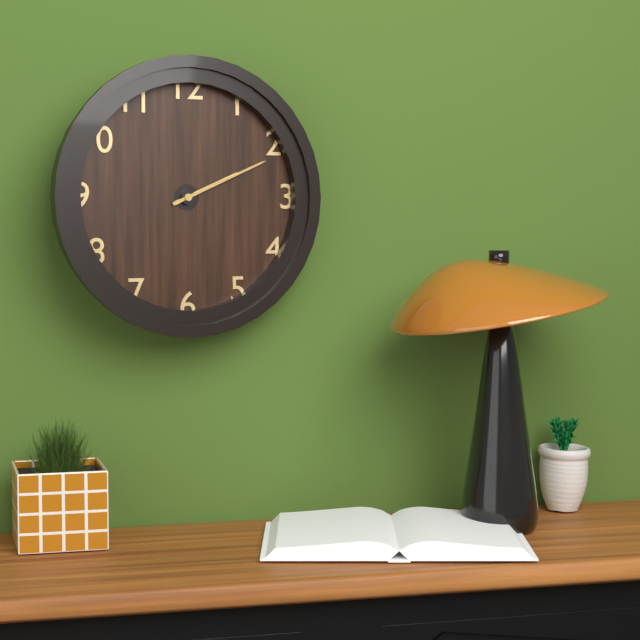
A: 2 h 11 min
